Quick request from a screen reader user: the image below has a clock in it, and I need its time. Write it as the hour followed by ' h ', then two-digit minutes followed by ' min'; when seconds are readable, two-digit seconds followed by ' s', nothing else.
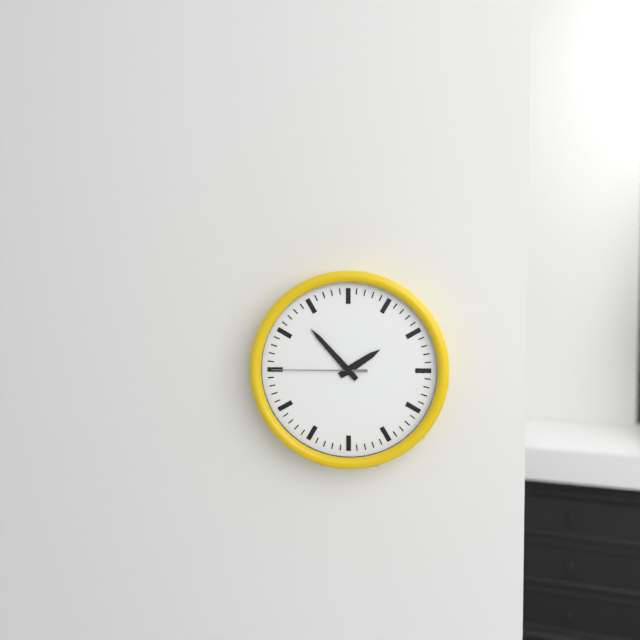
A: 1 h 53 min 45 s
